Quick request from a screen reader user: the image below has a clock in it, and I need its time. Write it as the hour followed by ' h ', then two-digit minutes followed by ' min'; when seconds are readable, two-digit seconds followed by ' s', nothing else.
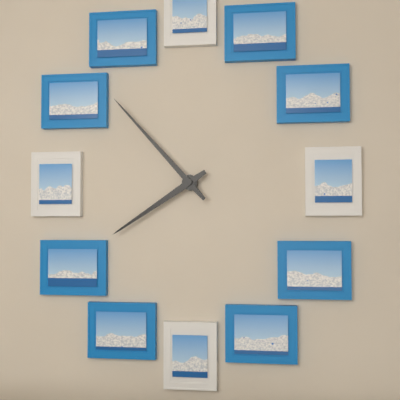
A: 7 h 53 min
